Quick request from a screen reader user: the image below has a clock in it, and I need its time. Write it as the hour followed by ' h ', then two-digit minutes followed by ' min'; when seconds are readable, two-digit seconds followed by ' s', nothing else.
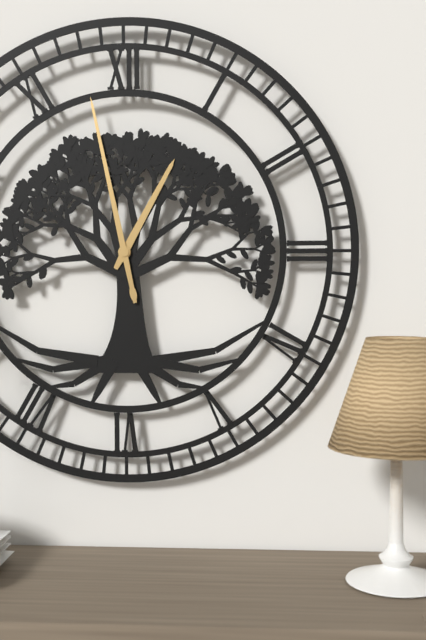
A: 12 h 58 min
